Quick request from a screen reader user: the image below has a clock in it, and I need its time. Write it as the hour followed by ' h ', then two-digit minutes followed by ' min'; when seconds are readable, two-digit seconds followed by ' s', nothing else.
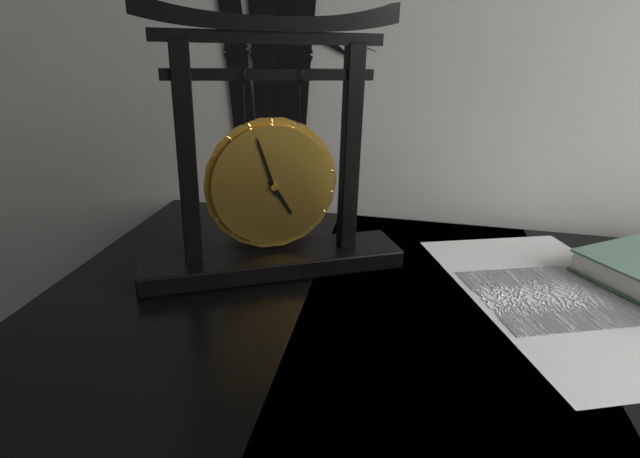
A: 4 h 57 min
